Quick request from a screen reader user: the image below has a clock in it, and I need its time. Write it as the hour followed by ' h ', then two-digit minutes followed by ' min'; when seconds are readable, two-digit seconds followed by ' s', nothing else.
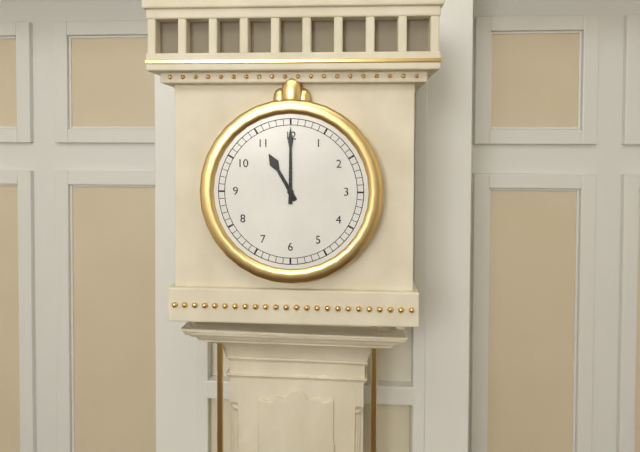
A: 11 h 00 min
